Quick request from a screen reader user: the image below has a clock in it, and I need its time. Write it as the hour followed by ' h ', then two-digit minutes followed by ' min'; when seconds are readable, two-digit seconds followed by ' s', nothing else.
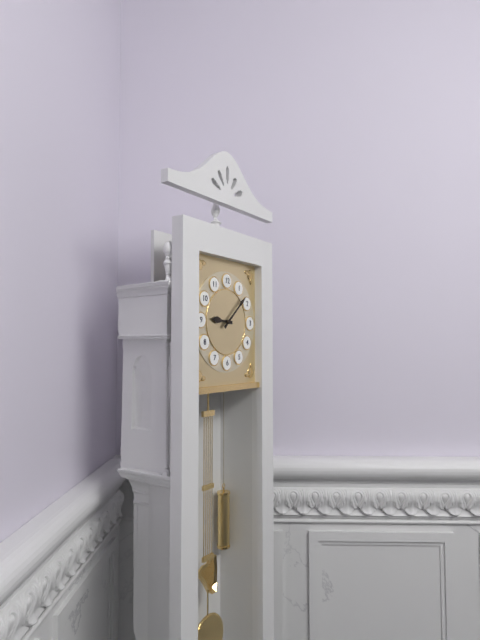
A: 9 h 08 min
